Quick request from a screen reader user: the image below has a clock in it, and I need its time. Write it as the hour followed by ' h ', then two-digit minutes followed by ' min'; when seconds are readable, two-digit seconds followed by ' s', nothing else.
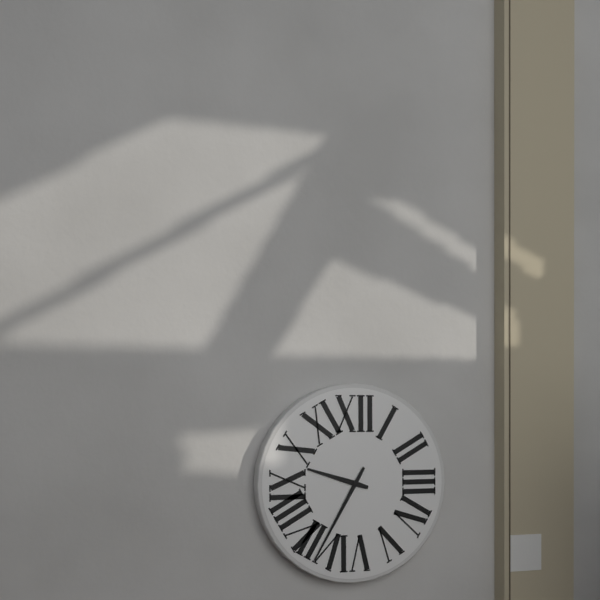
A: 9 h 35 min
